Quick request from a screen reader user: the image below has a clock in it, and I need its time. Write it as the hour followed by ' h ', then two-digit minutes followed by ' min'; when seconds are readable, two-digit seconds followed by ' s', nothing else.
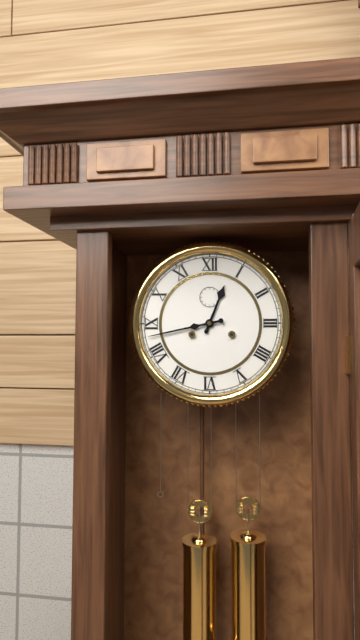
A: 12 h 43 min
